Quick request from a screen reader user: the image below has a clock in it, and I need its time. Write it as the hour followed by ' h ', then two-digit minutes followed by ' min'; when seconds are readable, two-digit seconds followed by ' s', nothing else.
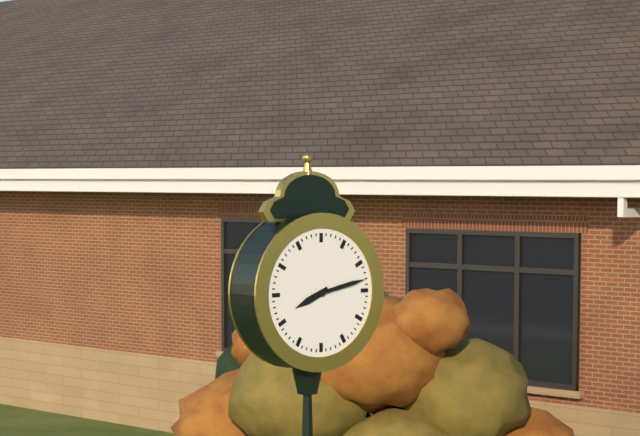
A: 8 h 13 min
